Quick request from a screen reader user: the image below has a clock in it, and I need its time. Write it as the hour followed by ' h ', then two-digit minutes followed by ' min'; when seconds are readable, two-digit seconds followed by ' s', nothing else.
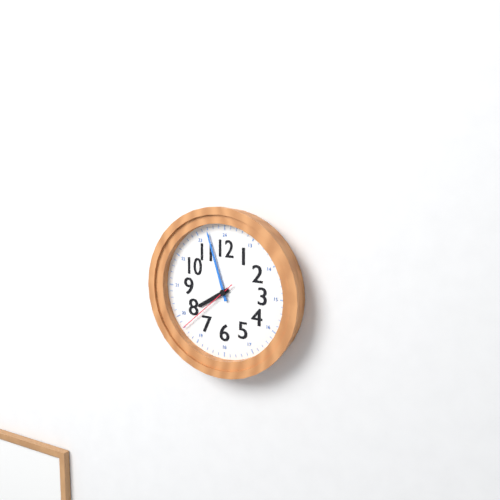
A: 7 h 57 min 38 s
